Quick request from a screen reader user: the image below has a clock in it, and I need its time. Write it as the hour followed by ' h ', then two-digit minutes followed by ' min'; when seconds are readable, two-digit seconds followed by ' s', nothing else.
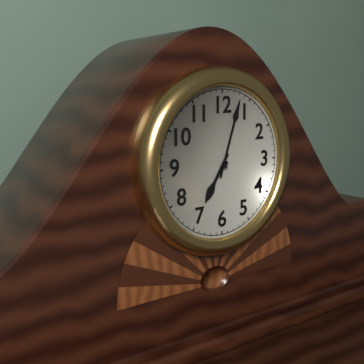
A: 7 h 03 min
